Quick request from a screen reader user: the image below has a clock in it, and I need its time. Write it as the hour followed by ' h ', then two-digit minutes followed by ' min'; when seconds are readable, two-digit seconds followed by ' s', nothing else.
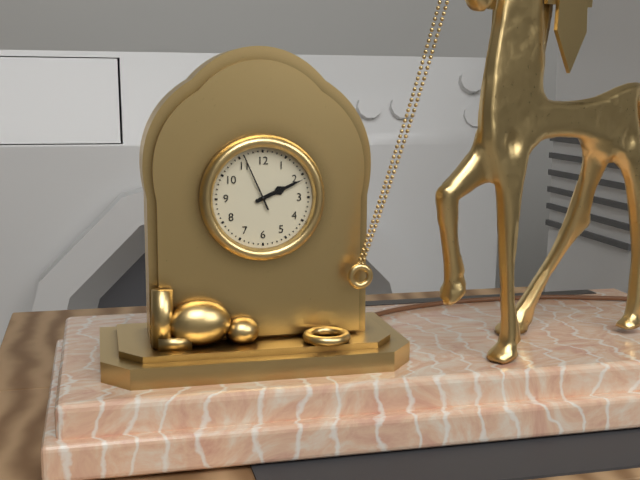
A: 2 h 11 min 56 s
